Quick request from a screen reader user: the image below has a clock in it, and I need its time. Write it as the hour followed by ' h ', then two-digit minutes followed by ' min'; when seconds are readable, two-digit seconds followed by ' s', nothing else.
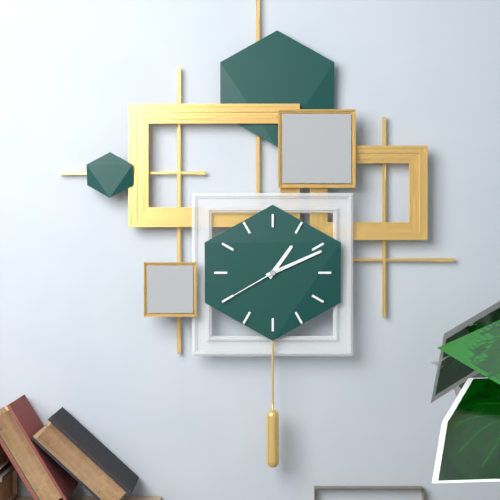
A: 1 h 11 min 40 s
